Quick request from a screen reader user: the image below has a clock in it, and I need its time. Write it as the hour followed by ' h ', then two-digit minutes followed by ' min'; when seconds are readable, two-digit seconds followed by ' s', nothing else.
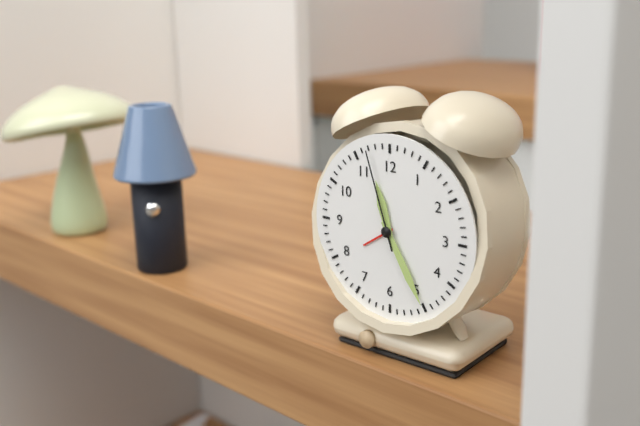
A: 11 h 25 min 57 s
